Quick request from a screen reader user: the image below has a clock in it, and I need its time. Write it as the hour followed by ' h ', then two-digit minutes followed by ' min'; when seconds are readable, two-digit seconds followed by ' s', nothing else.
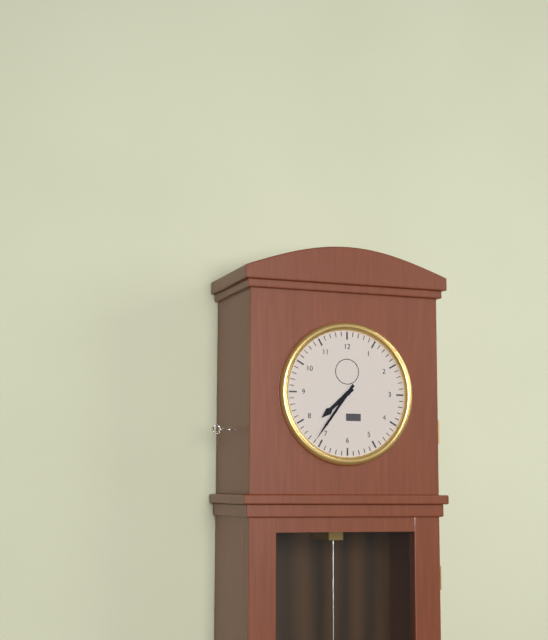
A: 7 h 36 min
